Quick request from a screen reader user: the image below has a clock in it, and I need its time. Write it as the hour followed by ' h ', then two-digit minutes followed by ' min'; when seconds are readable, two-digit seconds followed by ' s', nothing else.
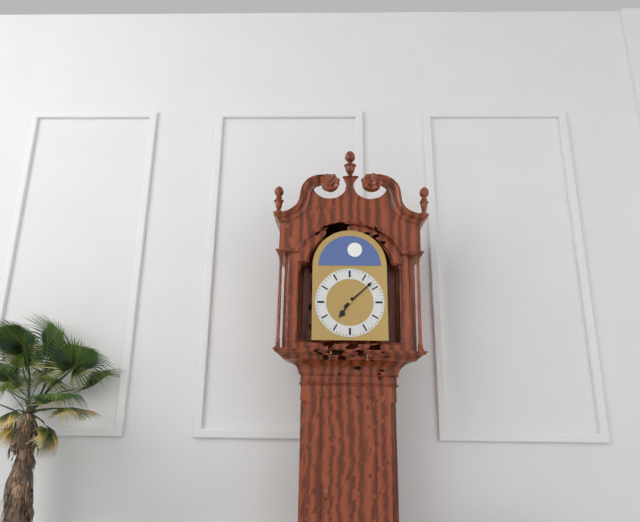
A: 7 h 08 min
